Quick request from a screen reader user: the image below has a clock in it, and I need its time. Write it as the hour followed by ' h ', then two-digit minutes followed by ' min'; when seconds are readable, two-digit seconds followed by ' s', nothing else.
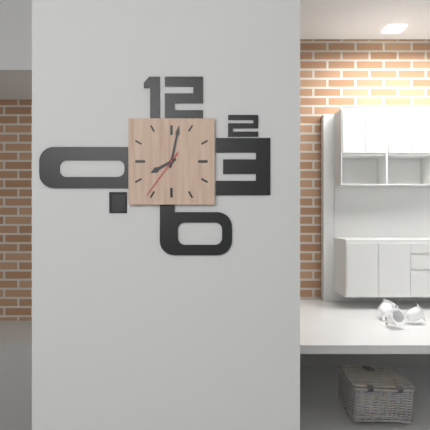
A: 8 h 02 min 36 s
